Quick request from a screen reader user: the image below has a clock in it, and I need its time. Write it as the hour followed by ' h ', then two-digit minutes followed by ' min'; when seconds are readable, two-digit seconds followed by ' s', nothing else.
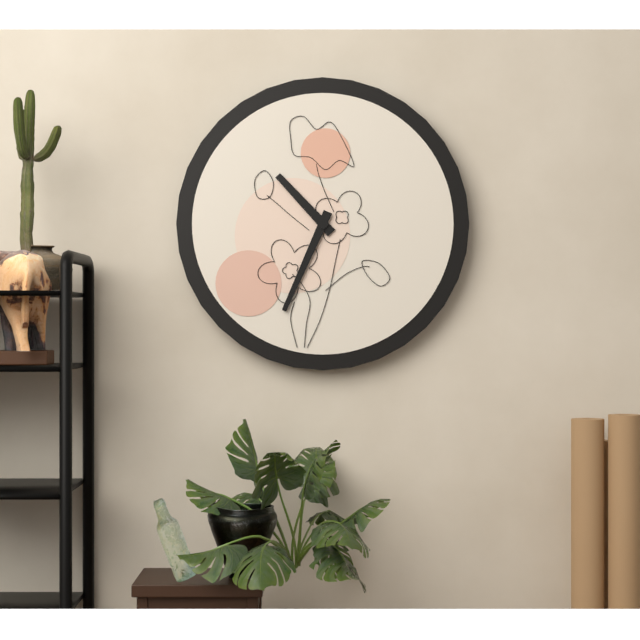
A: 10 h 34 min
